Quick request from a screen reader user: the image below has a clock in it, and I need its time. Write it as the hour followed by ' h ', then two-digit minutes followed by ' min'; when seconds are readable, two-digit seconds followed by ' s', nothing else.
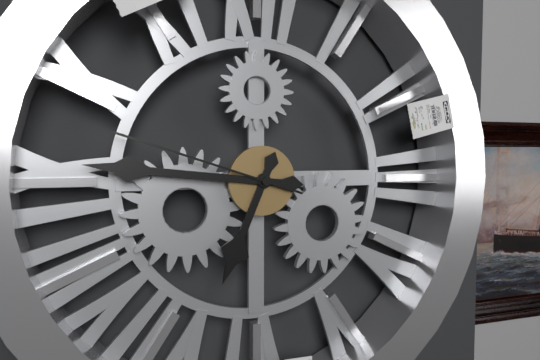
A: 6 h 46 min 48 s
